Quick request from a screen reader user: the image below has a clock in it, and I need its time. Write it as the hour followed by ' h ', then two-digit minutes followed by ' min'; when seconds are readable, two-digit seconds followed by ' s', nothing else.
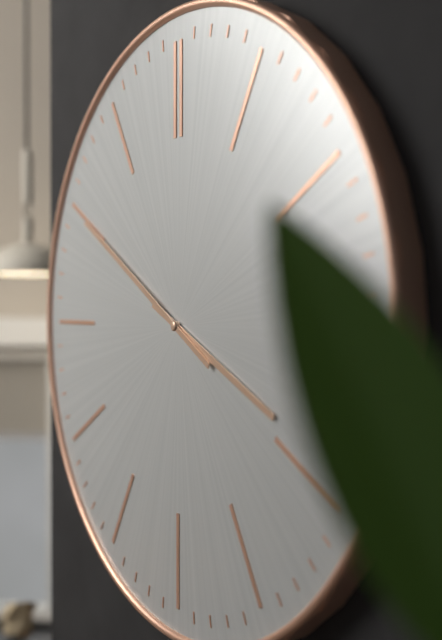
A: 3 h 50 min
